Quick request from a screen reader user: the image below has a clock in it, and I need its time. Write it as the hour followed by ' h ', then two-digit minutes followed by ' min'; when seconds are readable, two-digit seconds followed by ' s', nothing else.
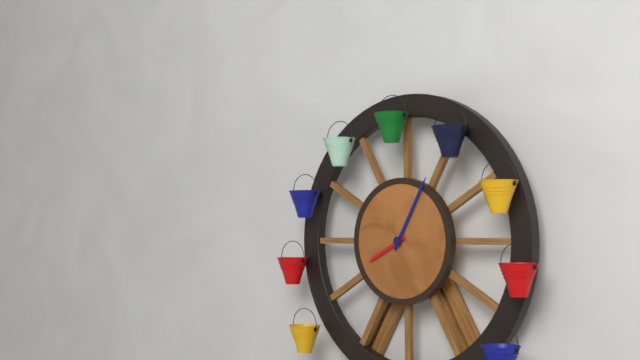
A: 8 h 05 min
